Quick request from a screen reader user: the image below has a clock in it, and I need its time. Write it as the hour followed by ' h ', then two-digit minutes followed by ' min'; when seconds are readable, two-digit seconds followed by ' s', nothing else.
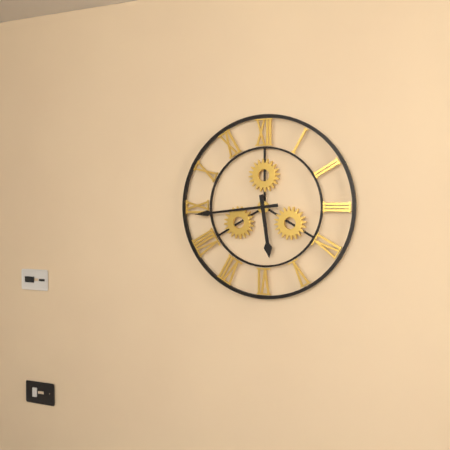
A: 5 h 44 min
